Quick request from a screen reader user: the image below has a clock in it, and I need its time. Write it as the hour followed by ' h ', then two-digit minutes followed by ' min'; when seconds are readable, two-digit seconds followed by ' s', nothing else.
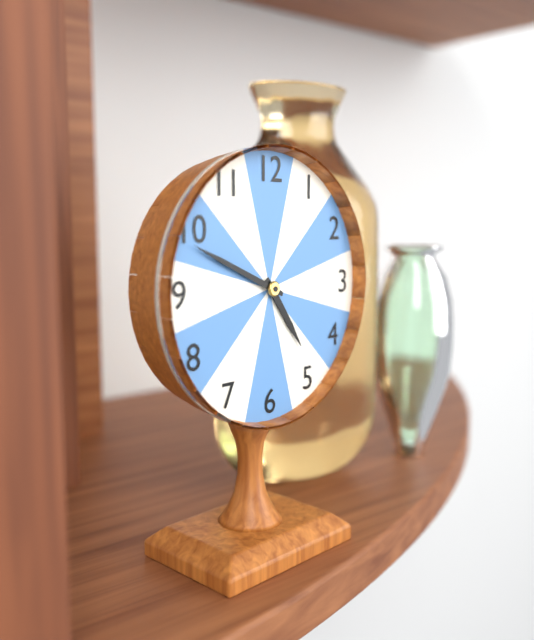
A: 4 h 49 min
